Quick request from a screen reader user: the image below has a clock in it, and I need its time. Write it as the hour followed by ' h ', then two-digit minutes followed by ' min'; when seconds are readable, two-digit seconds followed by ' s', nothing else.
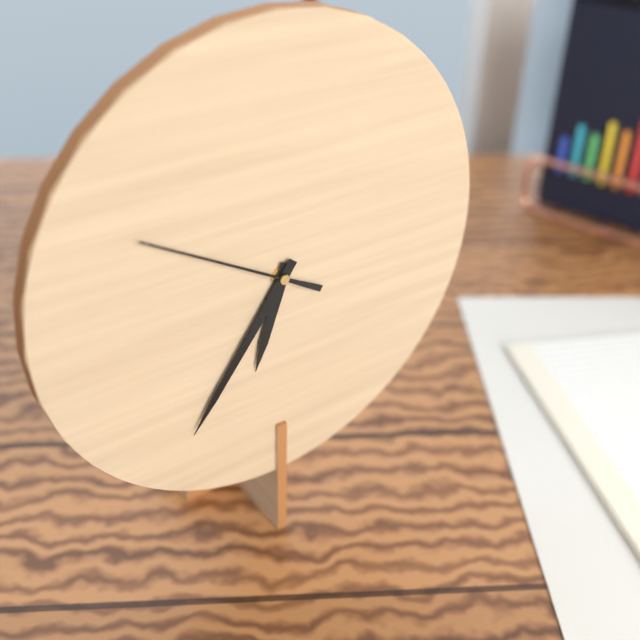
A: 6 h 36 min 50 s
